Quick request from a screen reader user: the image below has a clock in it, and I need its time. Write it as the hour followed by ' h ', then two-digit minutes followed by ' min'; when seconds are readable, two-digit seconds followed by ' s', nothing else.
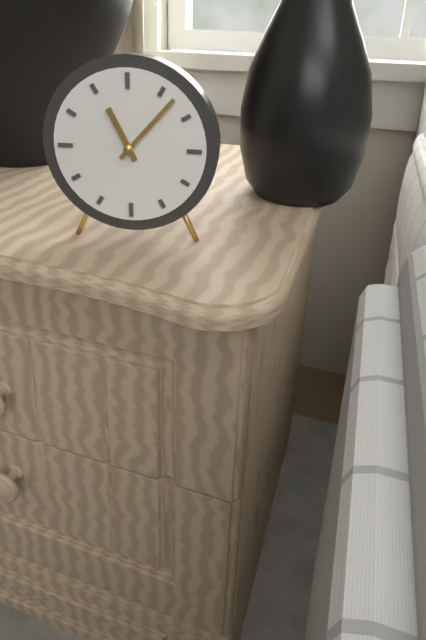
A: 11 h 07 min
